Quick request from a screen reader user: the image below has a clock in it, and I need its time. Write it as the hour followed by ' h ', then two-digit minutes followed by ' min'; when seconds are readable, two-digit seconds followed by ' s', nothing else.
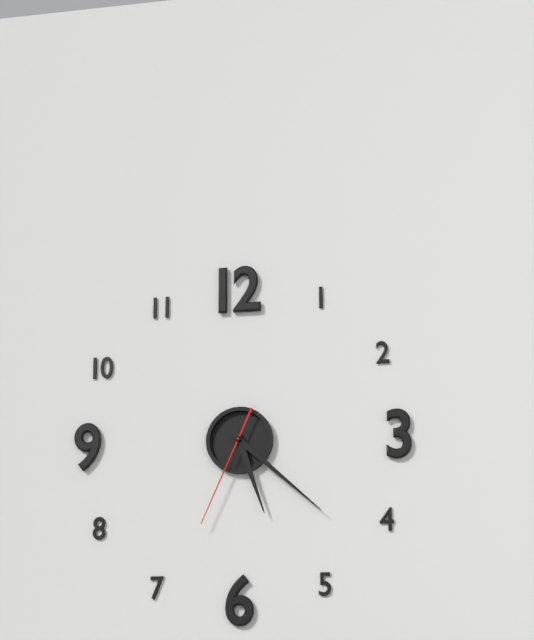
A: 5 h 22 min 34 s
